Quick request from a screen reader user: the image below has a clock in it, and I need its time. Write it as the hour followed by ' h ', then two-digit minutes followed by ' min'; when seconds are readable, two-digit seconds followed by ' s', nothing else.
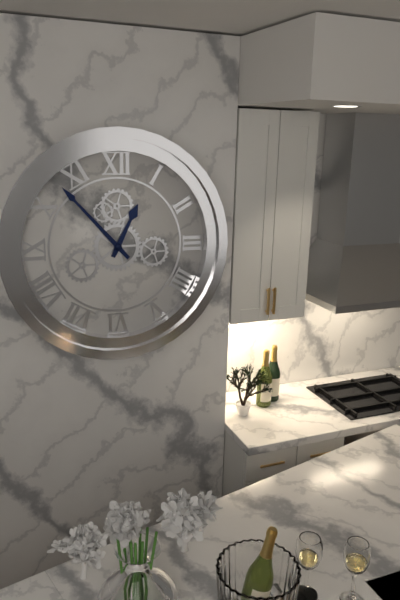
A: 12 h 53 min
